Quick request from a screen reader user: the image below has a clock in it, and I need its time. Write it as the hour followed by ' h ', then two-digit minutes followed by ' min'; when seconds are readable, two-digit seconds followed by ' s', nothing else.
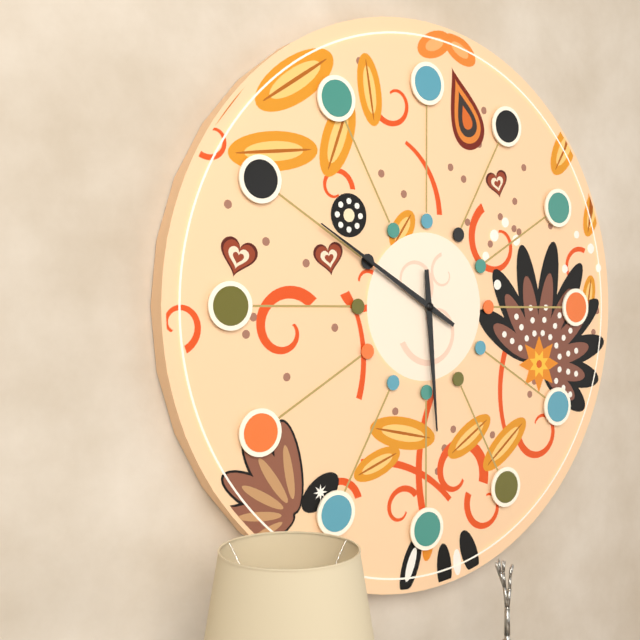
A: 5 h 50 min
